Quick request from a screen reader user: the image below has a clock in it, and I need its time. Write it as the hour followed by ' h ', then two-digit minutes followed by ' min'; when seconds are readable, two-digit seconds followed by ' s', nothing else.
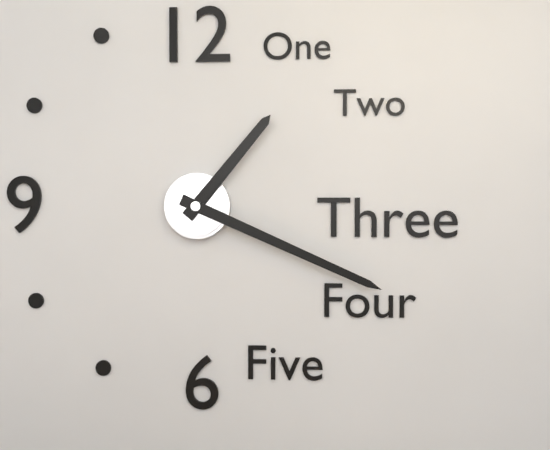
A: 1 h 19 min
